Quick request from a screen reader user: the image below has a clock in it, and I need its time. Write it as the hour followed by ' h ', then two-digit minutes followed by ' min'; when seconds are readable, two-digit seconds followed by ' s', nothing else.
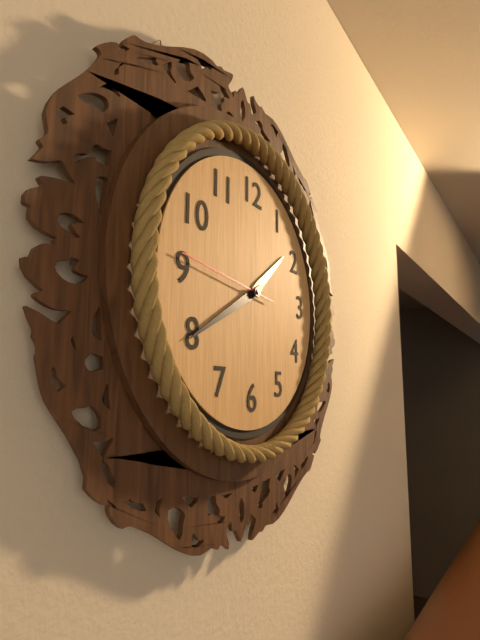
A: 1 h 40 min 46 s
